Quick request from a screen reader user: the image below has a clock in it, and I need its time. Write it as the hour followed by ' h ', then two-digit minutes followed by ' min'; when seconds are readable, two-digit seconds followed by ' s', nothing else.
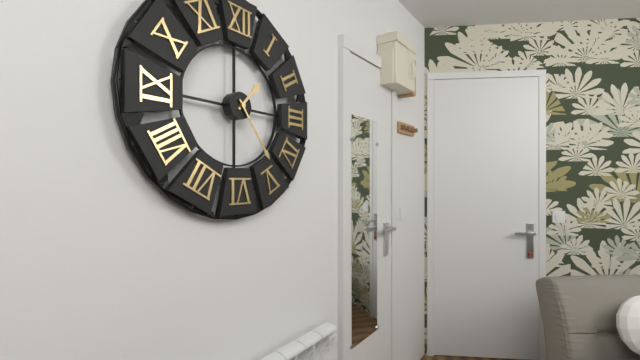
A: 1 h 24 min
